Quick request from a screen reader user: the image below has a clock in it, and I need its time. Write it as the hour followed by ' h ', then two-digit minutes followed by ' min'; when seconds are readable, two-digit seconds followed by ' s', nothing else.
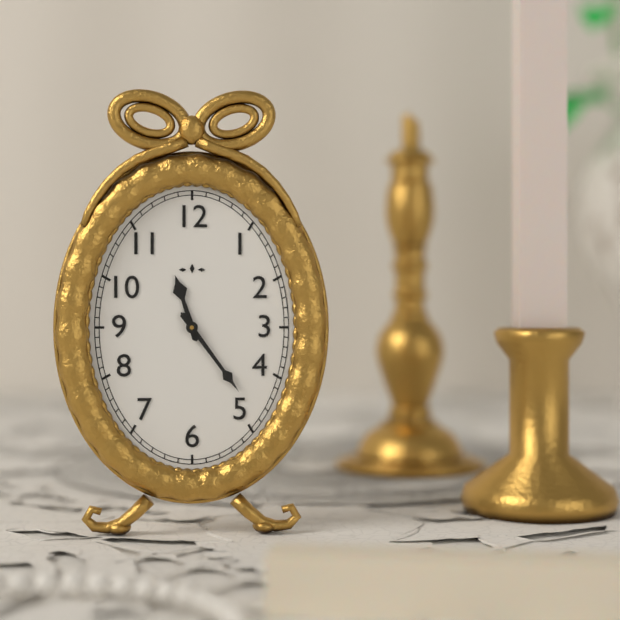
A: 11 h 24 min
